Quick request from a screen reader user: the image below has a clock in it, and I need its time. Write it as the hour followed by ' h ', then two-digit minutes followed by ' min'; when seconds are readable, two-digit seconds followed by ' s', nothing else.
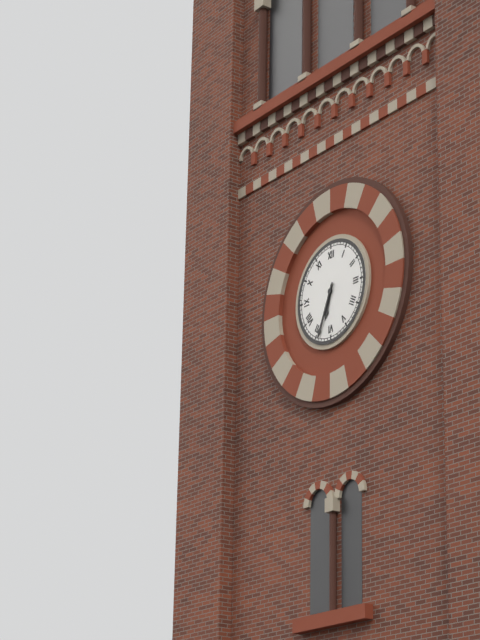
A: 6 h 34 min
